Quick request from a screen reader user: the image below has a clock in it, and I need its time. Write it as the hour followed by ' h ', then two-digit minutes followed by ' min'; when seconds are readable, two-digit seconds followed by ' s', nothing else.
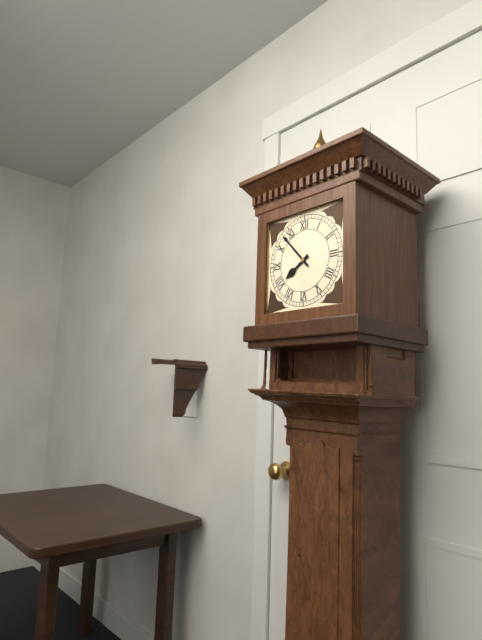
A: 7 h 53 min
